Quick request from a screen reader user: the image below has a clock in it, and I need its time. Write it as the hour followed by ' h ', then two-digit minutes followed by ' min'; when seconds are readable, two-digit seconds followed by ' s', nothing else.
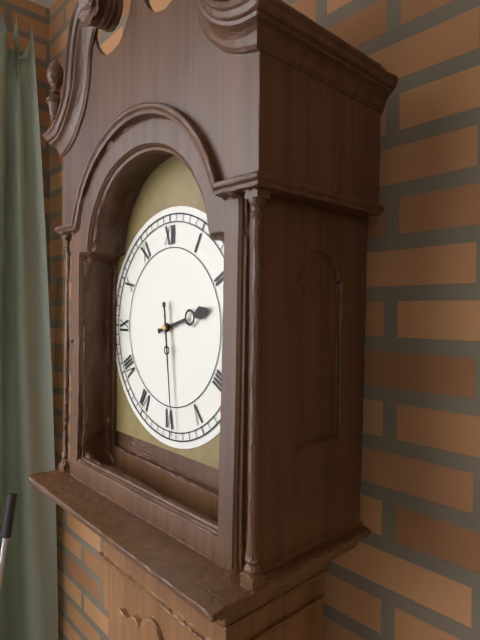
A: 2 h 29 min
